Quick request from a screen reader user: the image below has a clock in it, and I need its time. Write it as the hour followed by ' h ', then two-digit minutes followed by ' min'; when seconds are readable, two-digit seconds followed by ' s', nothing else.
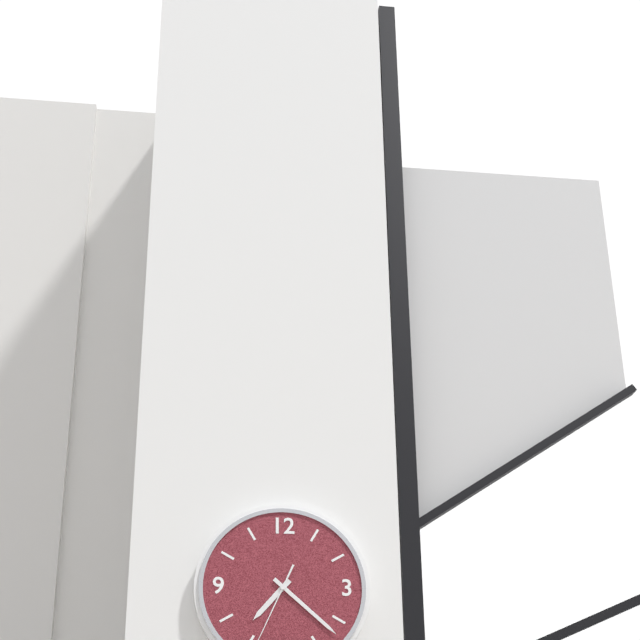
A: 7 h 22 min
